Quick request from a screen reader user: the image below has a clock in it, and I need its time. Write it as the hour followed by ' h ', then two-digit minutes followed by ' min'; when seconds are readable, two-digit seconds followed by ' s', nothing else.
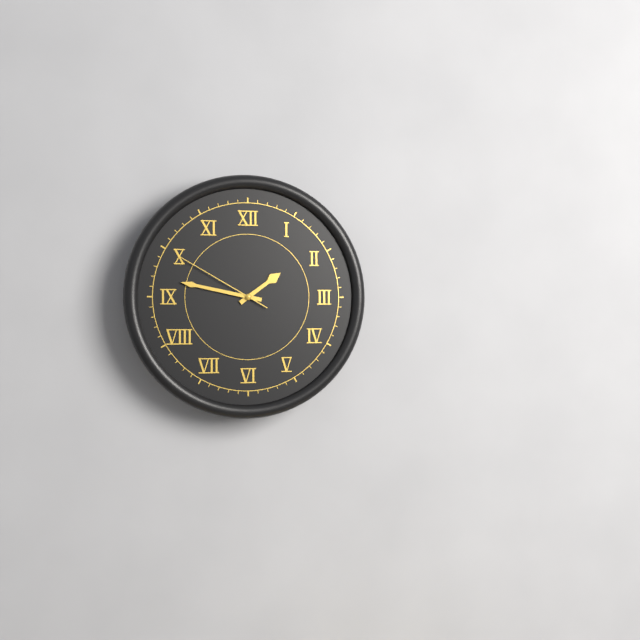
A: 1 h 47 min 50 s
